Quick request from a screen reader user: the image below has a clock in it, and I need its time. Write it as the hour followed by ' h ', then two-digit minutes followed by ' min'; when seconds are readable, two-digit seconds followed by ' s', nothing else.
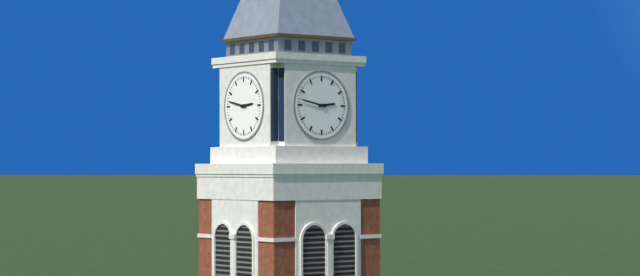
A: 2 h 47 min
